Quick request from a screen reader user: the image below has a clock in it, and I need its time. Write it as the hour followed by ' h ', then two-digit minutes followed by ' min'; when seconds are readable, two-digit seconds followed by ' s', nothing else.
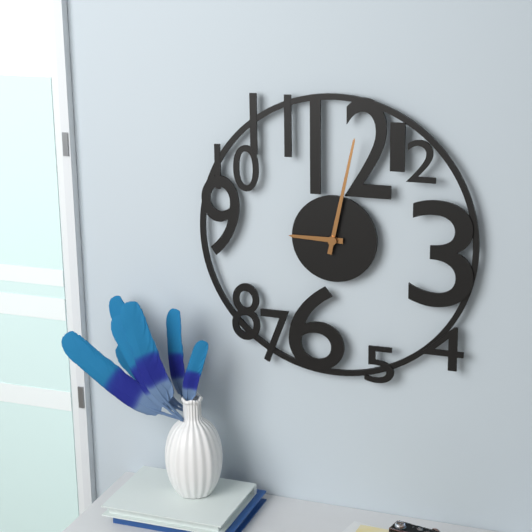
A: 9 h 02 min
